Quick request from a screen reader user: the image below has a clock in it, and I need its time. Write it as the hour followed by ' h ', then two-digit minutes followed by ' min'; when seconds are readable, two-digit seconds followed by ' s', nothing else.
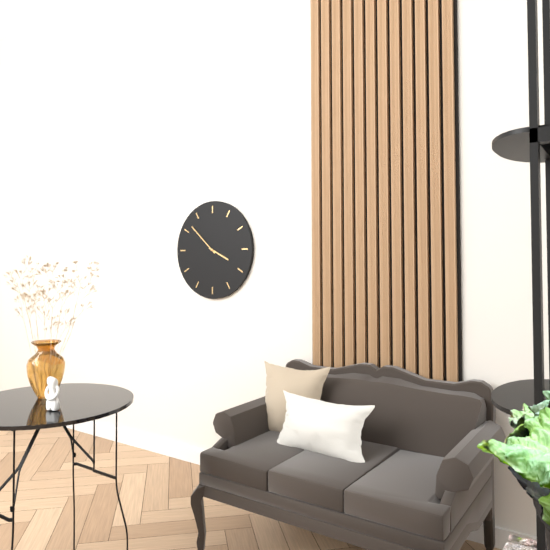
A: 3 h 52 min
